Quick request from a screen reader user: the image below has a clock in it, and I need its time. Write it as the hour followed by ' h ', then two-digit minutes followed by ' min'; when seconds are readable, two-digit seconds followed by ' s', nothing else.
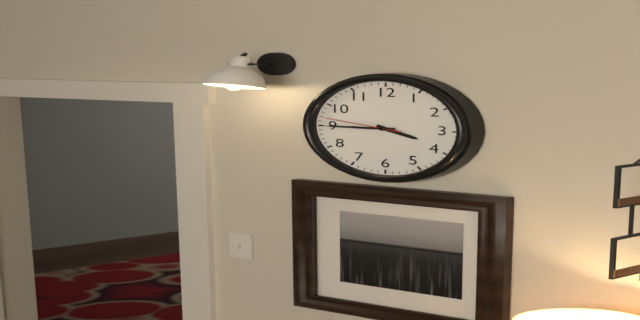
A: 3 h 45 min 47 s
